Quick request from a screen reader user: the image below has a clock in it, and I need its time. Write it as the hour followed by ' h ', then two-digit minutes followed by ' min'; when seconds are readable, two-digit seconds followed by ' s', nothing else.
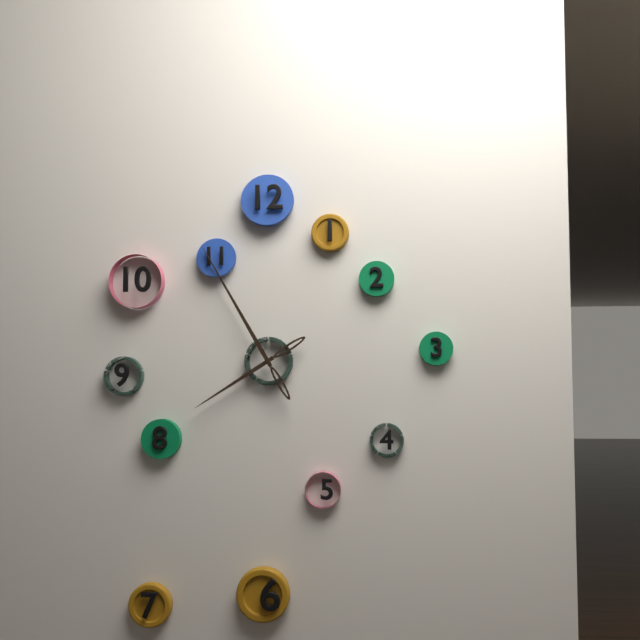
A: 7 h 55 min
